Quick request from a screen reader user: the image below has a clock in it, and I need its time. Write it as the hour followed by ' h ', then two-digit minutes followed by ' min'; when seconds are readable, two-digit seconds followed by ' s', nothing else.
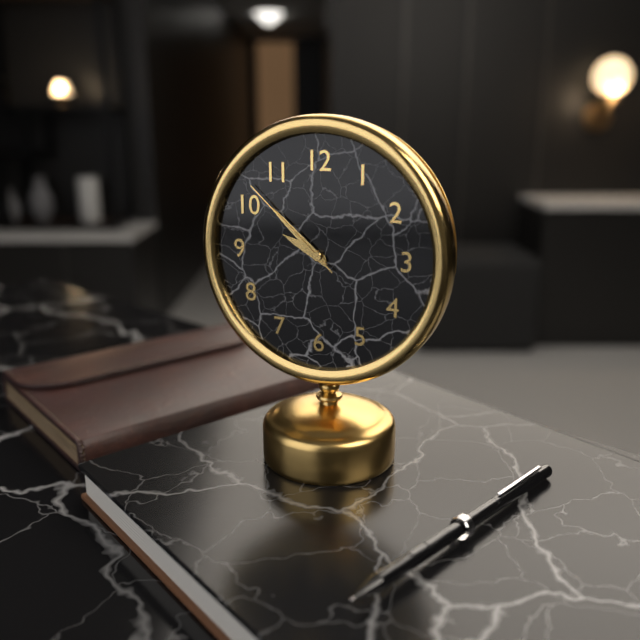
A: 9 h 52 min 52 s
